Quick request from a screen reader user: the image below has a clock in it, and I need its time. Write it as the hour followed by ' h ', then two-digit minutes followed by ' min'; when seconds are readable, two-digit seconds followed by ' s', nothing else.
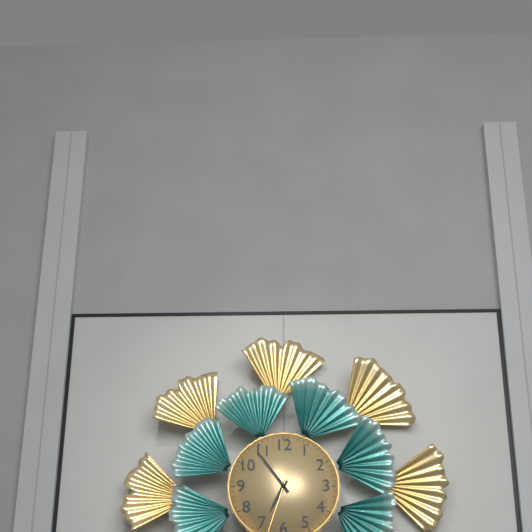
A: 6 h 54 min
